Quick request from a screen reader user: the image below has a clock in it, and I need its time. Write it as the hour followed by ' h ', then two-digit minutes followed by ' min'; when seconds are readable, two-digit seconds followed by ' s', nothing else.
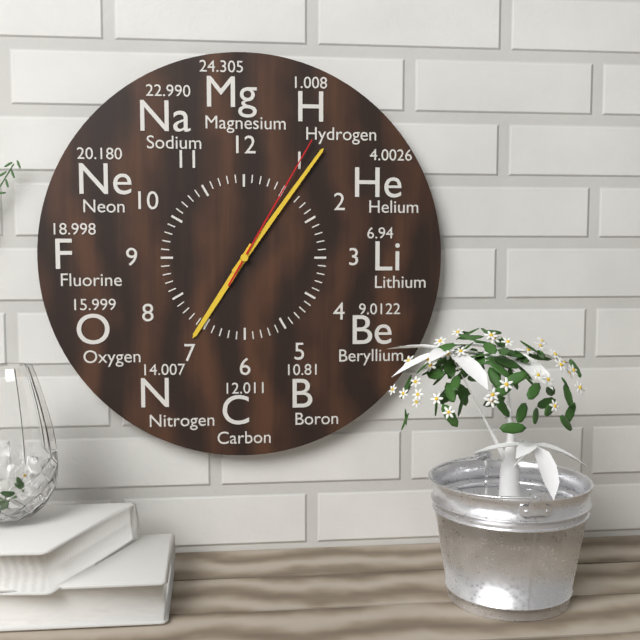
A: 7 h 06 min 05 s
